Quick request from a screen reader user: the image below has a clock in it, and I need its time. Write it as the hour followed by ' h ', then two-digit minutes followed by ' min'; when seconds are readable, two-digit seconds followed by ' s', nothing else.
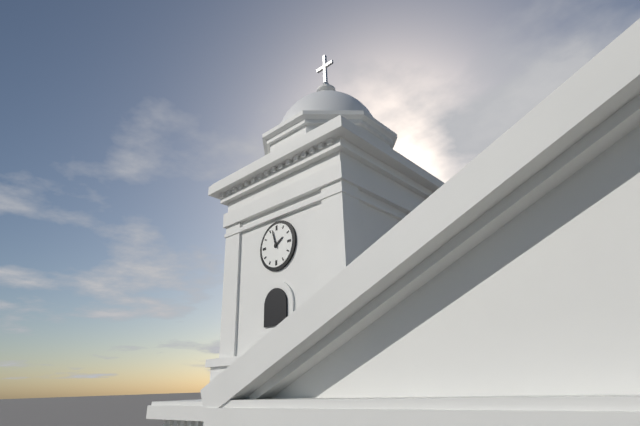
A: 1 h 57 min
